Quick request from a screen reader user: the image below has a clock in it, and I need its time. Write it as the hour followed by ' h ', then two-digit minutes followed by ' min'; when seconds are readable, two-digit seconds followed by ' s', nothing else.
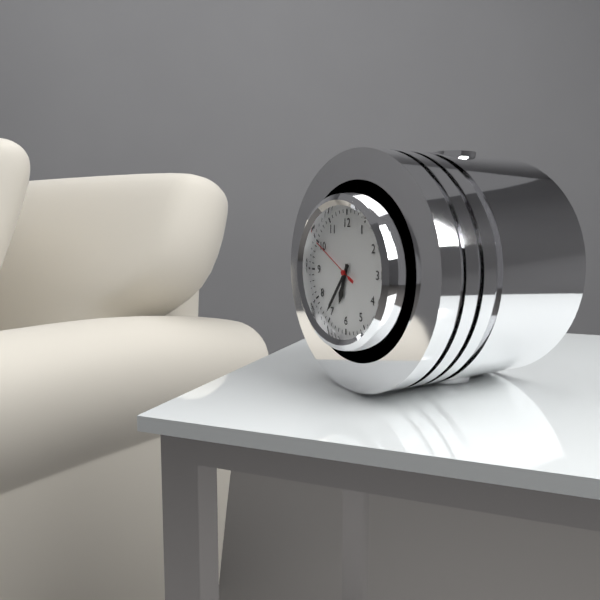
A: 6 h 36 min 50 s
